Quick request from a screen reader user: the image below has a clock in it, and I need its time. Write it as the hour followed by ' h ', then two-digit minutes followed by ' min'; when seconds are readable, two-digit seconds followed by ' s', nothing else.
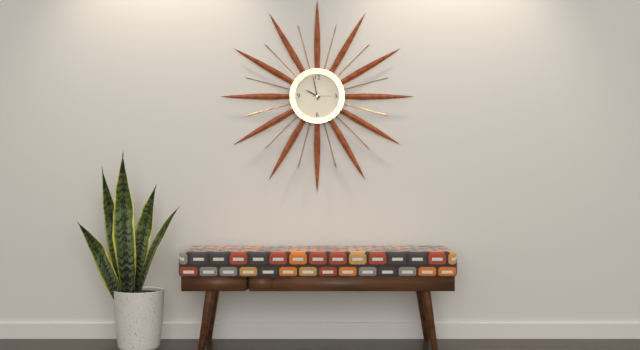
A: 9 h 58 min
